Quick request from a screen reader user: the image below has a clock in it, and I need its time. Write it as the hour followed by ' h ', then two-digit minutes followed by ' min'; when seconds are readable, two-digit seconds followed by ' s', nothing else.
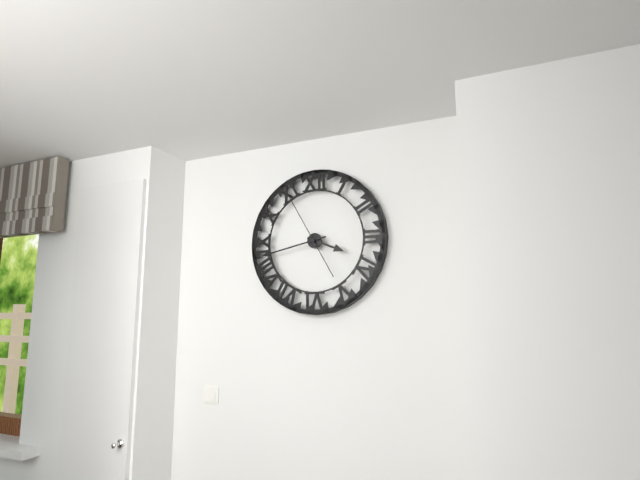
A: 3 h 43 min 55 s
